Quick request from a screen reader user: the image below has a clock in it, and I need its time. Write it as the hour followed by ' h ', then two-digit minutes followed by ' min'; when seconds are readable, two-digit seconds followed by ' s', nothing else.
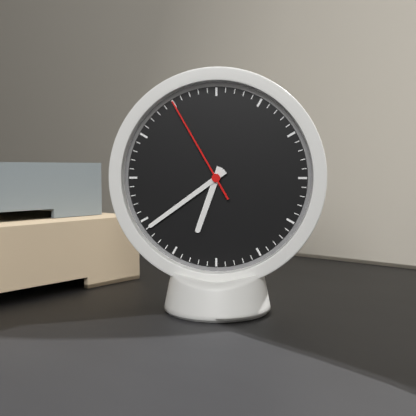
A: 6 h 39 min 55 s
